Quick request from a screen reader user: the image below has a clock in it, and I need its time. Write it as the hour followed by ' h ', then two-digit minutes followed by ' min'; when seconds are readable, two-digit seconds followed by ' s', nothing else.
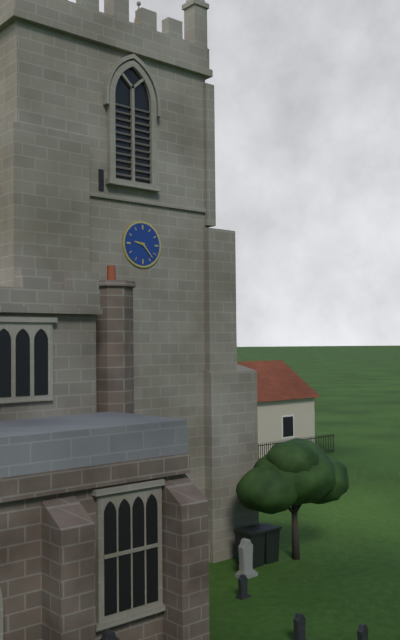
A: 9 h 23 min
